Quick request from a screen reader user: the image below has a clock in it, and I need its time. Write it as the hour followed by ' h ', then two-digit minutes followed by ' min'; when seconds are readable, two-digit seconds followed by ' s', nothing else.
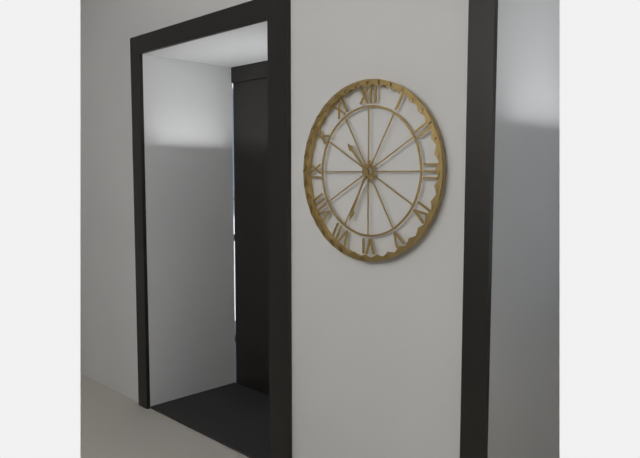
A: 10 h 34 min
